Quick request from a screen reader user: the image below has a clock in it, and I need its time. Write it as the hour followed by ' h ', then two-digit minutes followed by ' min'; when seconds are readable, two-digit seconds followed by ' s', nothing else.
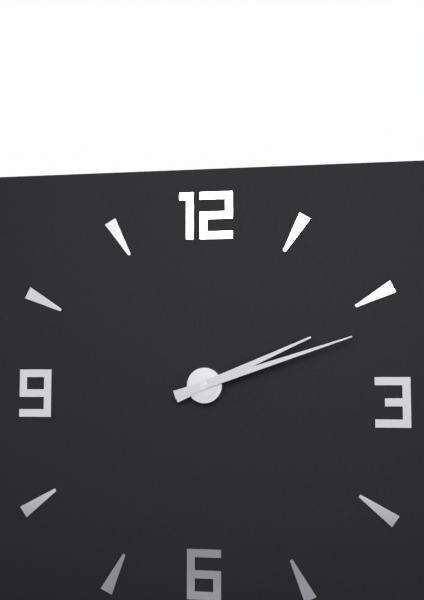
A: 2 h 12 min
